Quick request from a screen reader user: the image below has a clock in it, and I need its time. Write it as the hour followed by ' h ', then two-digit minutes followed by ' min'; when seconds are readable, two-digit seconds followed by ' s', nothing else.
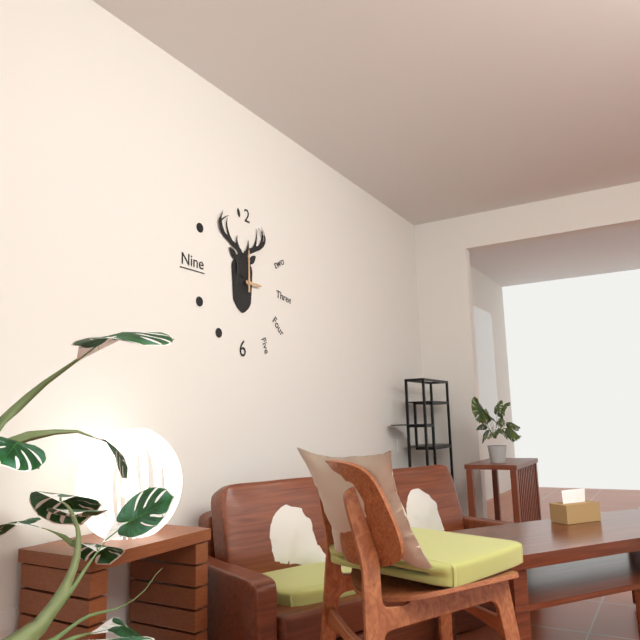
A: 3 h 00 min
